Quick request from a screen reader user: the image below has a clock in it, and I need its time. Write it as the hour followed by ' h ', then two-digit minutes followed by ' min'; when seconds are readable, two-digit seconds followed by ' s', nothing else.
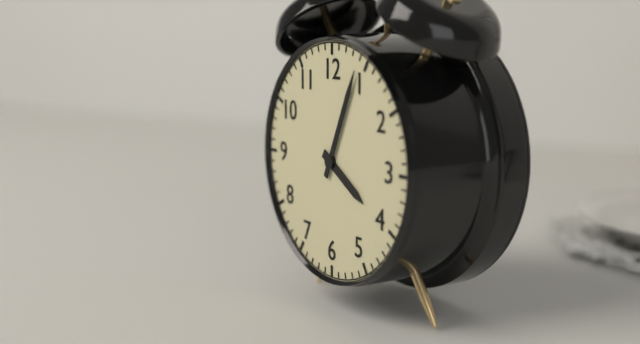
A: 4 h 04 min
